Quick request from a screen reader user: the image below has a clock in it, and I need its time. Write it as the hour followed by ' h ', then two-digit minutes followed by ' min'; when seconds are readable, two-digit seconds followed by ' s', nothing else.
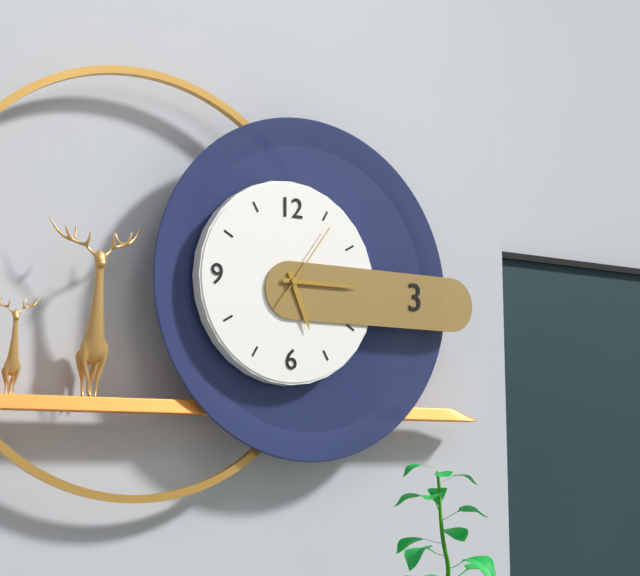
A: 5 h 15 min 06 s
